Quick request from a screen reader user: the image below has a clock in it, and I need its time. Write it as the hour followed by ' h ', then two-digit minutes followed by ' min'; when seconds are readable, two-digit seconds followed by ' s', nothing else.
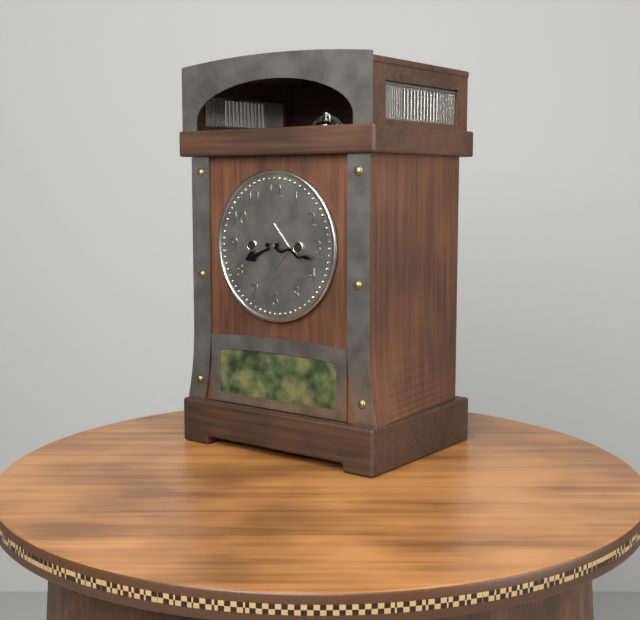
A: 8 h 17 min
